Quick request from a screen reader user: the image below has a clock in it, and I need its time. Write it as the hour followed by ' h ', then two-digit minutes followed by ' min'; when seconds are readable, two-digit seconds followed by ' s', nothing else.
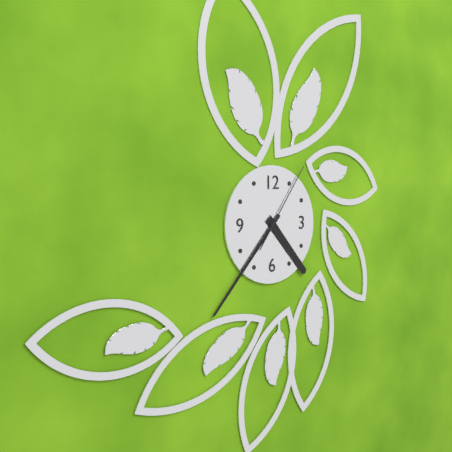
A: 4 h 37 min 06 s
